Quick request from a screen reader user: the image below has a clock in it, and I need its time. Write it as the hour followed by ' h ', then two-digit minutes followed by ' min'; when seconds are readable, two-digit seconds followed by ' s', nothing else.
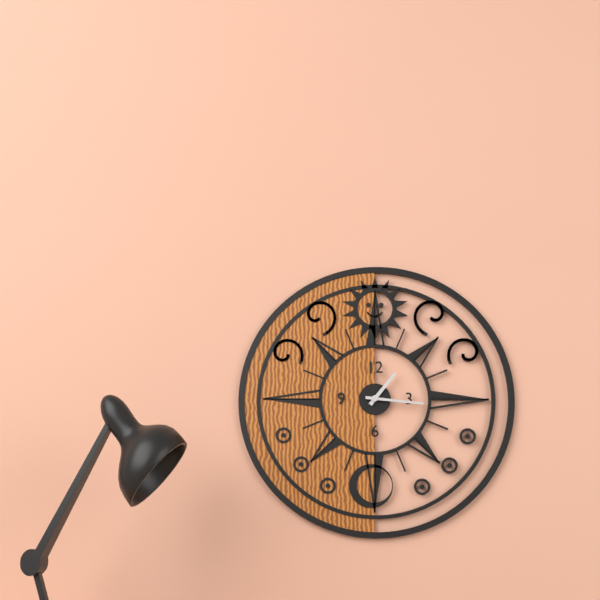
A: 1 h 16 min
